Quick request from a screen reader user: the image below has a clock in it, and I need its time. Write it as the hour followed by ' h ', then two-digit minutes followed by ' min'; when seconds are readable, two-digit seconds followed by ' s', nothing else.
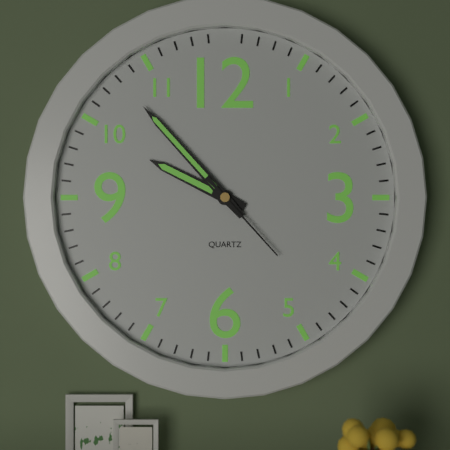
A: 9 h 53 min 23 s
